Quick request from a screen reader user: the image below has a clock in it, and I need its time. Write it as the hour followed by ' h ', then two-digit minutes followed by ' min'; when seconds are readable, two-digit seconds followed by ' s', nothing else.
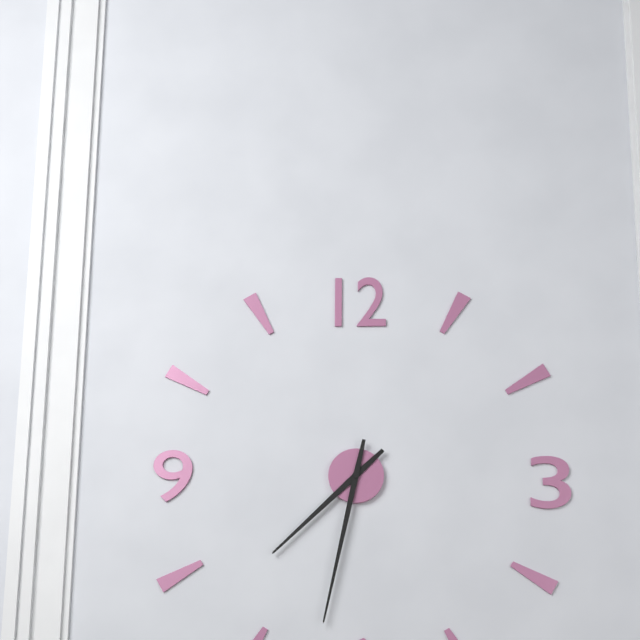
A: 7 h 32 min
